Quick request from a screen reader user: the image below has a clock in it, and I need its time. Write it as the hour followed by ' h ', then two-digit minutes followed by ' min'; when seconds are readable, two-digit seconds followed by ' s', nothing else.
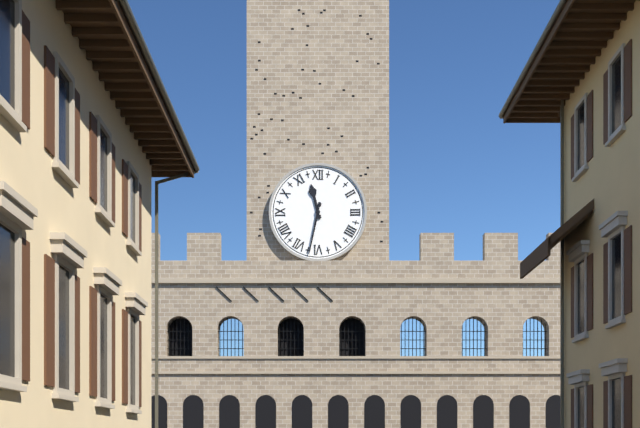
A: 11 h 32 min
